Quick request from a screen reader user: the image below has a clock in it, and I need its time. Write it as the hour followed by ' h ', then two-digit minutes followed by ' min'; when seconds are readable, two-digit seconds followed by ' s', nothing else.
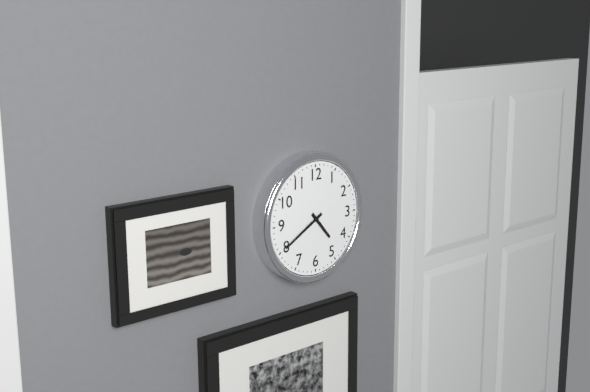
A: 4 h 40 min
